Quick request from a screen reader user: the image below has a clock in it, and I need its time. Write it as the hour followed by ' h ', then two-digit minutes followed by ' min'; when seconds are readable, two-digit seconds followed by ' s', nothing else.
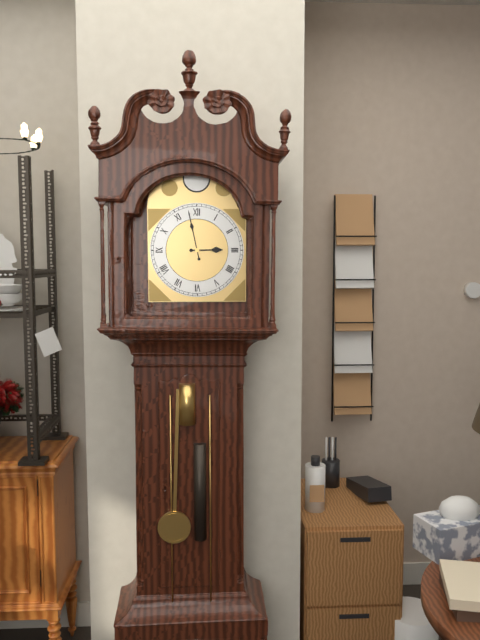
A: 2 h 58 min
